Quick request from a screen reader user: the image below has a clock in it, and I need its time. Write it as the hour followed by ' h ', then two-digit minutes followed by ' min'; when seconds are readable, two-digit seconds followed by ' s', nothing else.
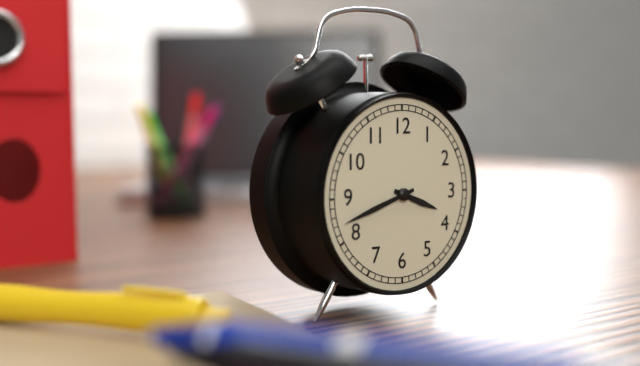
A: 3 h 42 min
